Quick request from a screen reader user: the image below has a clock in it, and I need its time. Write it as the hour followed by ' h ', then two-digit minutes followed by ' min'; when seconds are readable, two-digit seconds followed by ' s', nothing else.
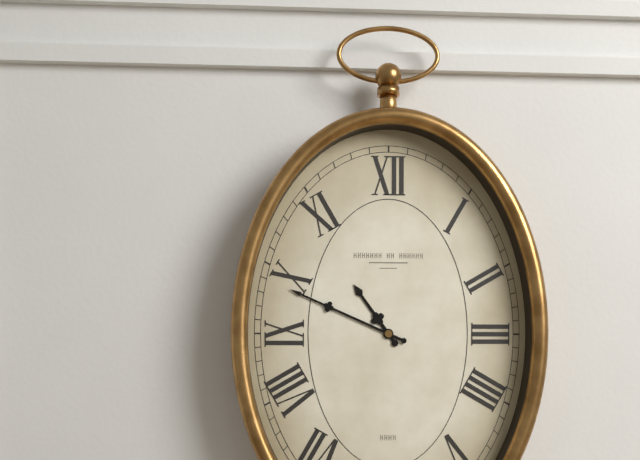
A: 10 h 49 min
